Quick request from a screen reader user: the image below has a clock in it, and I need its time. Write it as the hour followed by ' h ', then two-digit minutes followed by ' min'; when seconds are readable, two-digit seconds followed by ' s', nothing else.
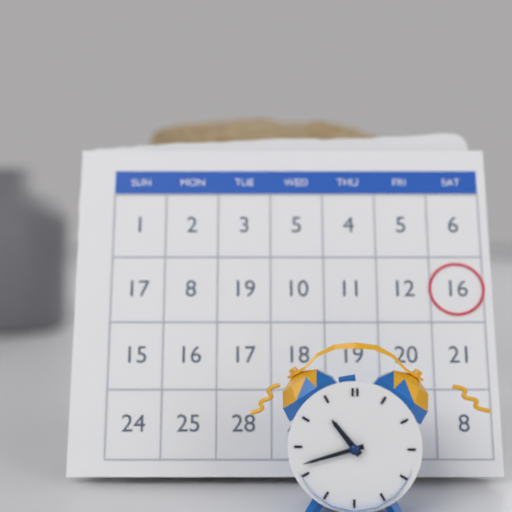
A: 10 h 42 min
